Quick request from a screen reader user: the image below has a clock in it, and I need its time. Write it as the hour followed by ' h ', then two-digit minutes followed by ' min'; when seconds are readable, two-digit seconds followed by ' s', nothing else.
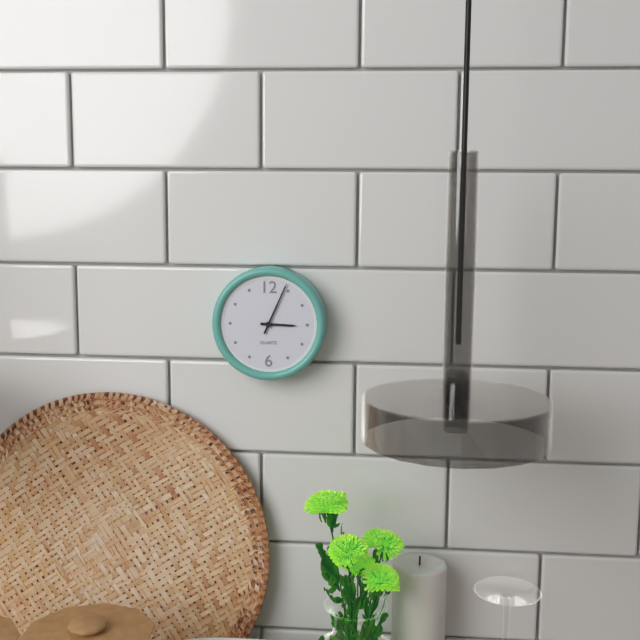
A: 3 h 04 min
